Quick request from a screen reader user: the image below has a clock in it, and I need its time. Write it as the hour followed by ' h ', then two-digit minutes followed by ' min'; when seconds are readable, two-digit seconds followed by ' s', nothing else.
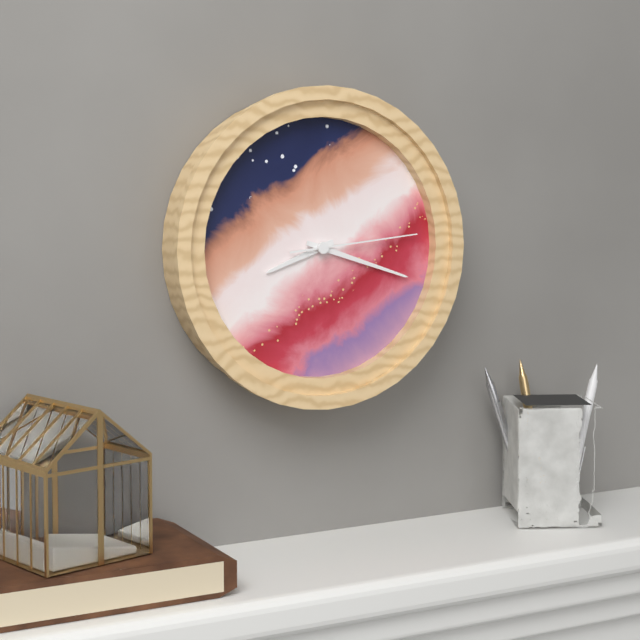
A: 8 h 18 min 14 s
